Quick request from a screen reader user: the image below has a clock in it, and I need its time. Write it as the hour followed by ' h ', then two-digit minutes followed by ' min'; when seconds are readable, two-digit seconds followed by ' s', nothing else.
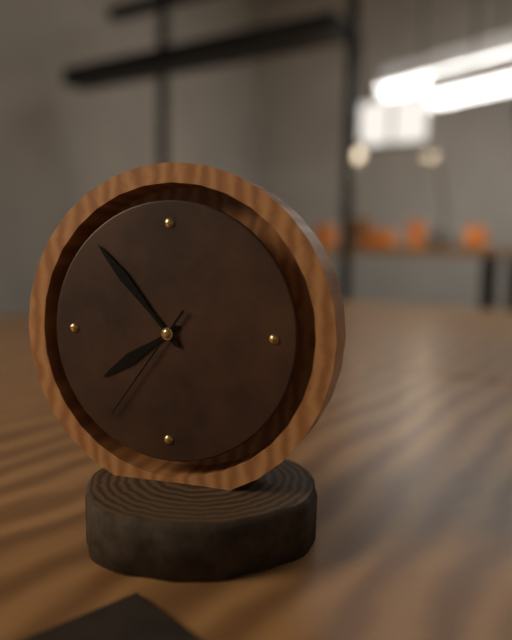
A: 7 h 53 min 36 s
